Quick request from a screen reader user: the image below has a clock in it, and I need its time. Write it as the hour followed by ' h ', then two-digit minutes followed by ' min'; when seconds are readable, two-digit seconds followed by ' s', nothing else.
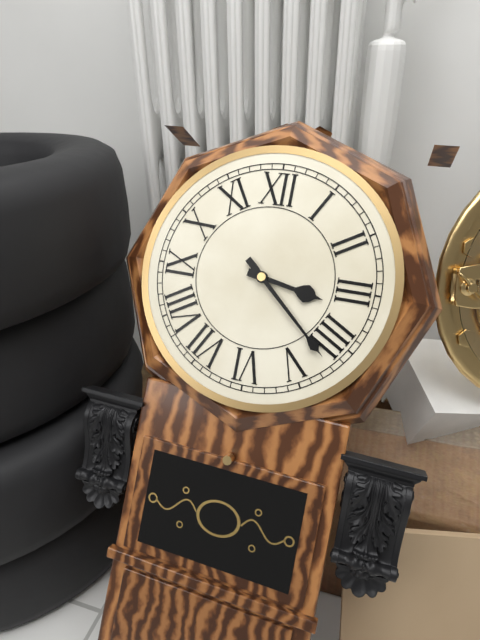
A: 3 h 22 min
